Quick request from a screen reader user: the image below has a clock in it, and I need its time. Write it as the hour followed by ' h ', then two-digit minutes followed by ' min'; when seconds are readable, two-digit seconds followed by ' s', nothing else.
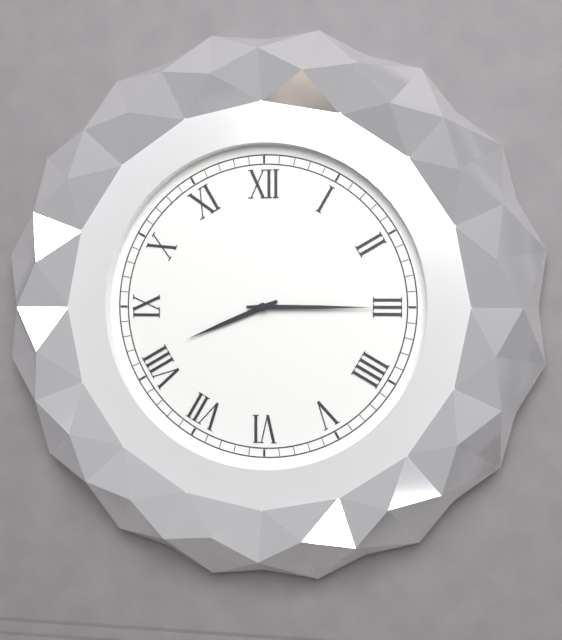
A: 8 h 15 min
